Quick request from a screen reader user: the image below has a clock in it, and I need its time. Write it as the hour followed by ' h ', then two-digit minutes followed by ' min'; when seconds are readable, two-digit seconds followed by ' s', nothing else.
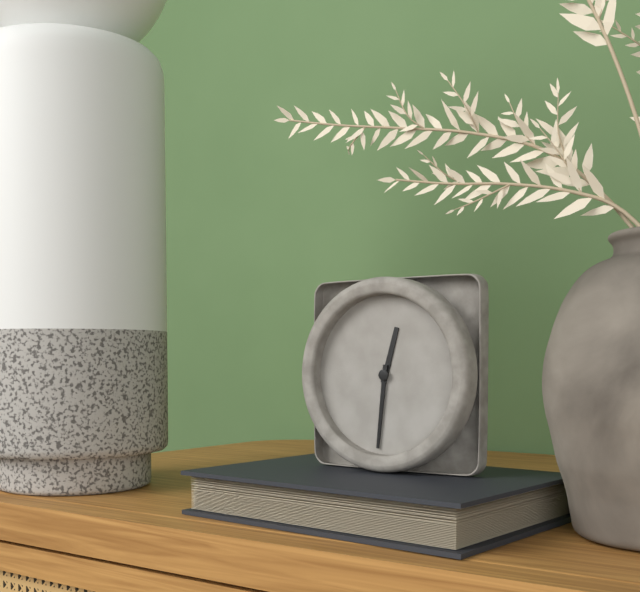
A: 12 h 31 min
